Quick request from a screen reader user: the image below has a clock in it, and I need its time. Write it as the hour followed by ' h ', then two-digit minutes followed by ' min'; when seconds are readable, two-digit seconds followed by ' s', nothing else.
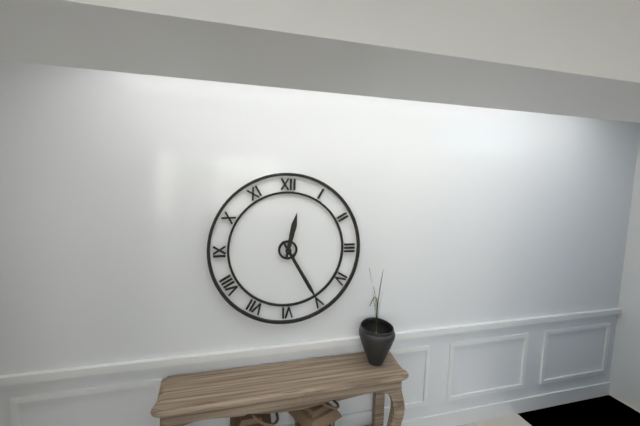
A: 12 h 25 min
